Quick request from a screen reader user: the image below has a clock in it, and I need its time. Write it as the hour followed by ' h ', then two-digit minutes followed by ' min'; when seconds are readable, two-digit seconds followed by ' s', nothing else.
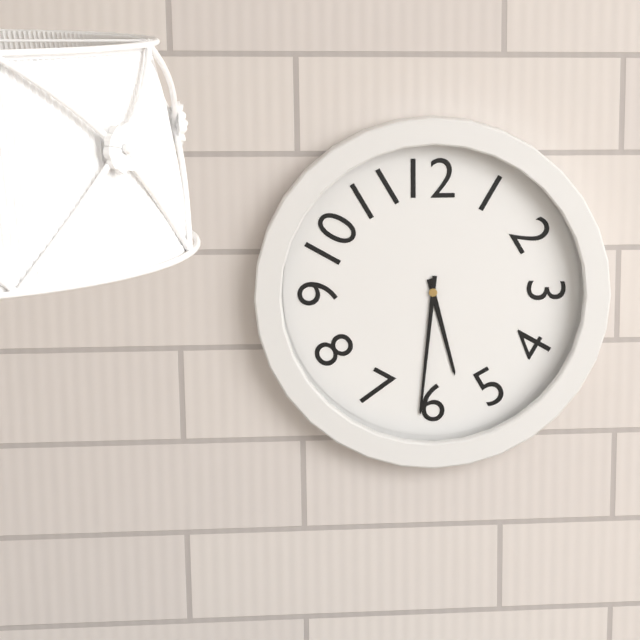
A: 5 h 31 min
